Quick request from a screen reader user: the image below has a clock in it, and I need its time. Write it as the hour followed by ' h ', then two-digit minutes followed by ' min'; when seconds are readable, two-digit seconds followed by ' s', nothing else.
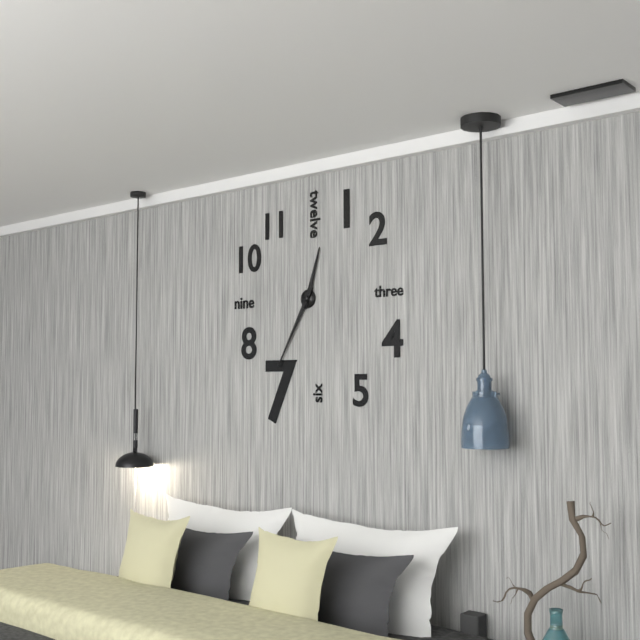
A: 12 h 35 min
